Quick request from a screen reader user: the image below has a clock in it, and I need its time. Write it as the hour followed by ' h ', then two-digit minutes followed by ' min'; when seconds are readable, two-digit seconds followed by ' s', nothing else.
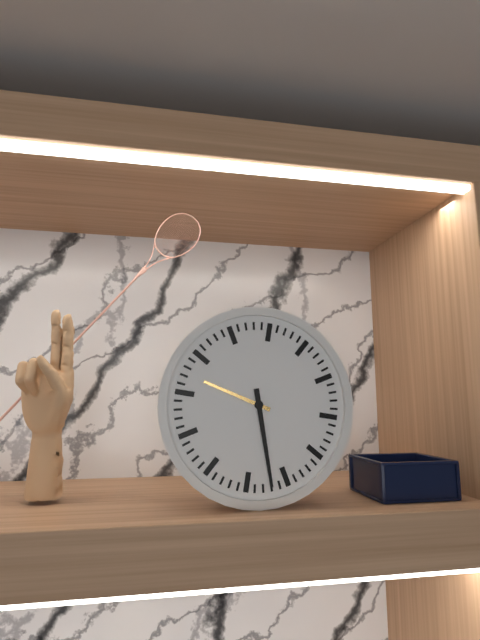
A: 9 h 27 min
